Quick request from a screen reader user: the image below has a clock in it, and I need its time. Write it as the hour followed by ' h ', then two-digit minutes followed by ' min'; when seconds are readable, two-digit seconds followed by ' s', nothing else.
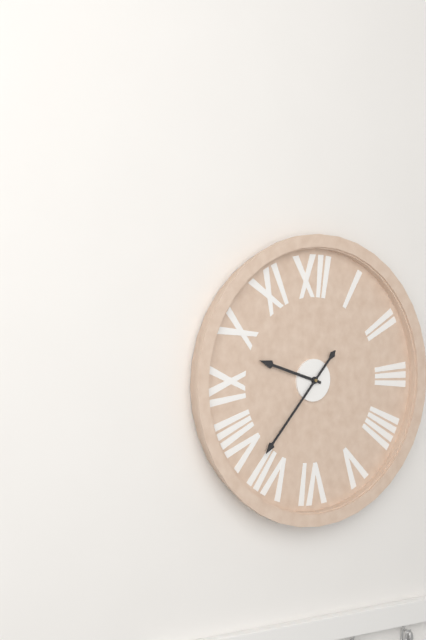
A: 9 h 37 min
